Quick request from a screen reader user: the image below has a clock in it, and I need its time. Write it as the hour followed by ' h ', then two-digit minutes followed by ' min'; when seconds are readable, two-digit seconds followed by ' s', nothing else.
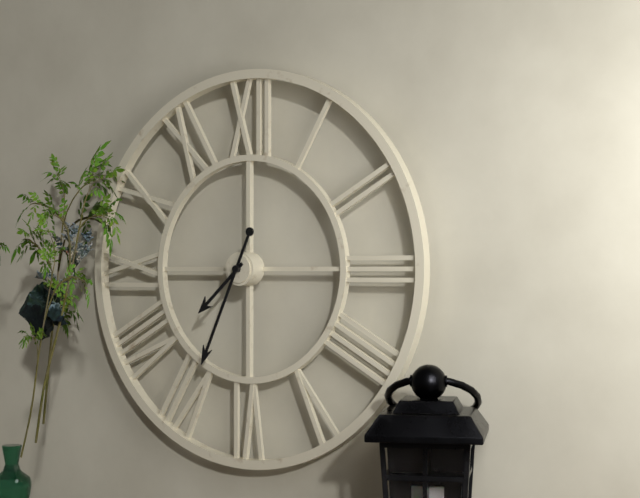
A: 7 h 34 min
